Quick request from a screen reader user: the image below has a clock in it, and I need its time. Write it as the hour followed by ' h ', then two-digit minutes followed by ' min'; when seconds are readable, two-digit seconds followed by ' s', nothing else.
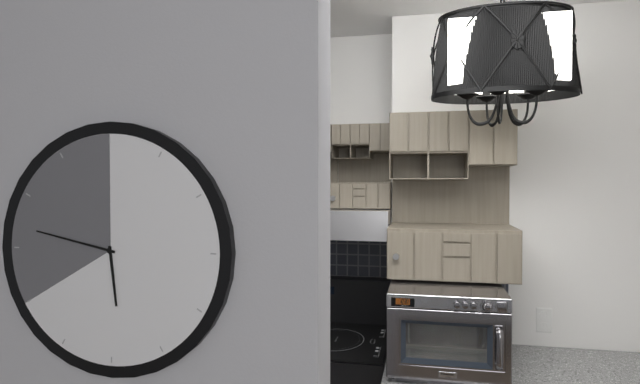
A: 5 h 47 min
